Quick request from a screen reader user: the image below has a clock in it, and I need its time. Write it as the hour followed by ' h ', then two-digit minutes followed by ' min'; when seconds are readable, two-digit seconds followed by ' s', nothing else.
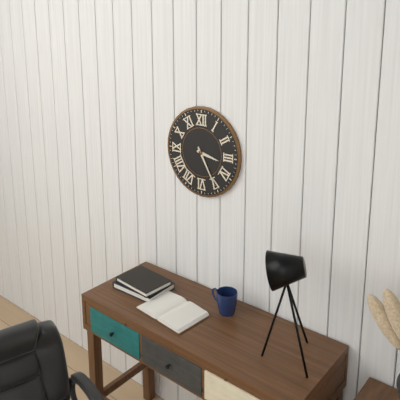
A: 3 h 25 min
